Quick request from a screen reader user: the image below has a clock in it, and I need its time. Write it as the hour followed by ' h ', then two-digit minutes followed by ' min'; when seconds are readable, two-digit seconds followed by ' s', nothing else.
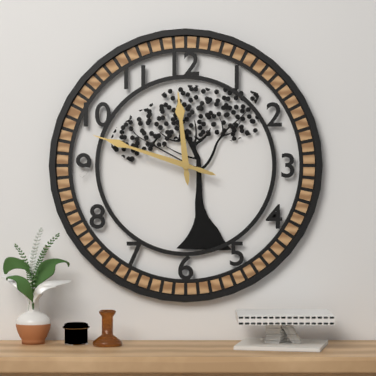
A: 11 h 48 min
